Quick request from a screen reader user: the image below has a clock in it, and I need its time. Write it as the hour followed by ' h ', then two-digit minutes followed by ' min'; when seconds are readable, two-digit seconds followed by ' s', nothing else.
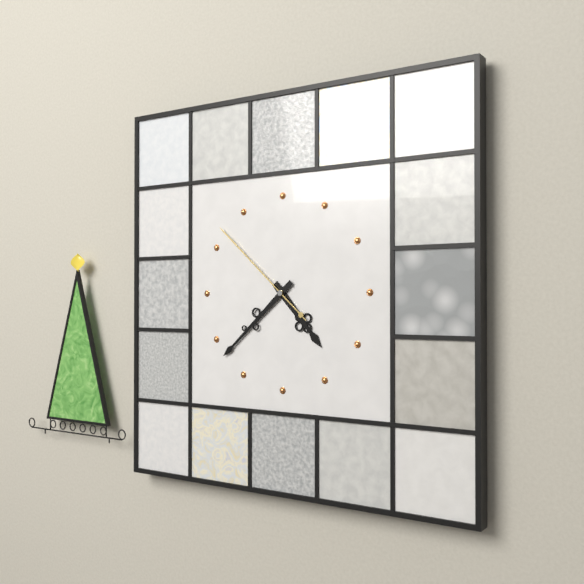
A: 4 h 38 min 52 s
